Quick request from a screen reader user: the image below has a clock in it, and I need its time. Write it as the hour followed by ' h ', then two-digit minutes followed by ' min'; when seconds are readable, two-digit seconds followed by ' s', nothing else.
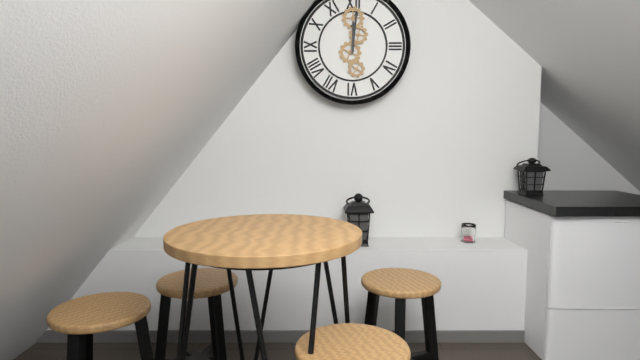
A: 12 h 01 min
